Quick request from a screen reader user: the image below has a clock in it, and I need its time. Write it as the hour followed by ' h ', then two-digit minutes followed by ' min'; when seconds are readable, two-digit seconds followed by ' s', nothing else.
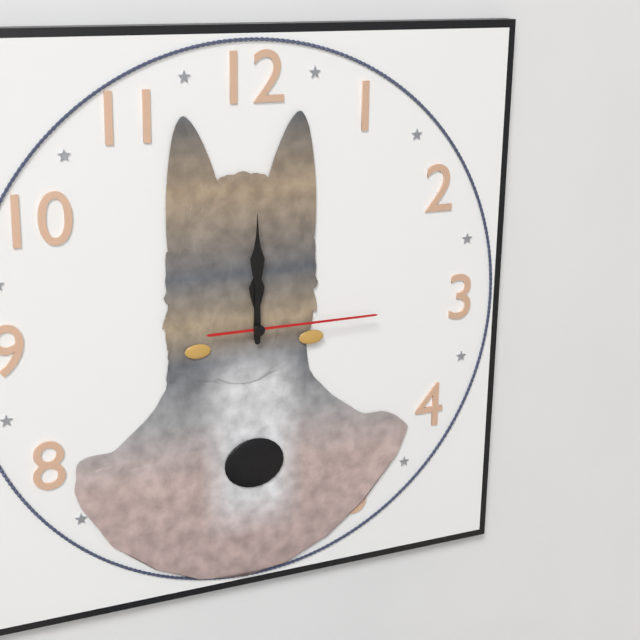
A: 12 h 00 min 15 s
